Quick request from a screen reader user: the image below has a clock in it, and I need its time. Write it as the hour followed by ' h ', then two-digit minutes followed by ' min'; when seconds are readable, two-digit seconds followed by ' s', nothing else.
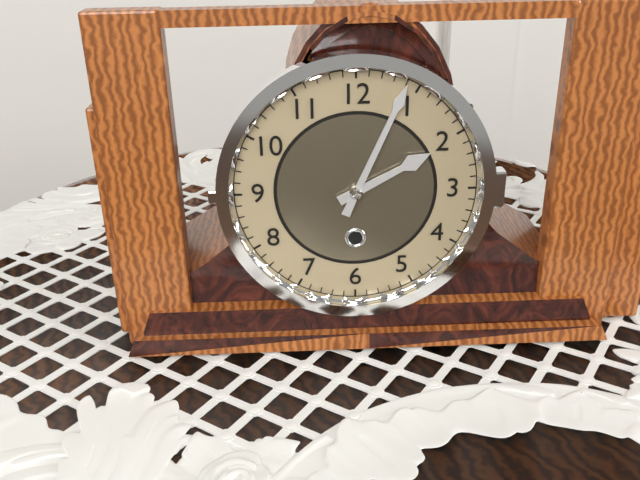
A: 2 h 04 min
